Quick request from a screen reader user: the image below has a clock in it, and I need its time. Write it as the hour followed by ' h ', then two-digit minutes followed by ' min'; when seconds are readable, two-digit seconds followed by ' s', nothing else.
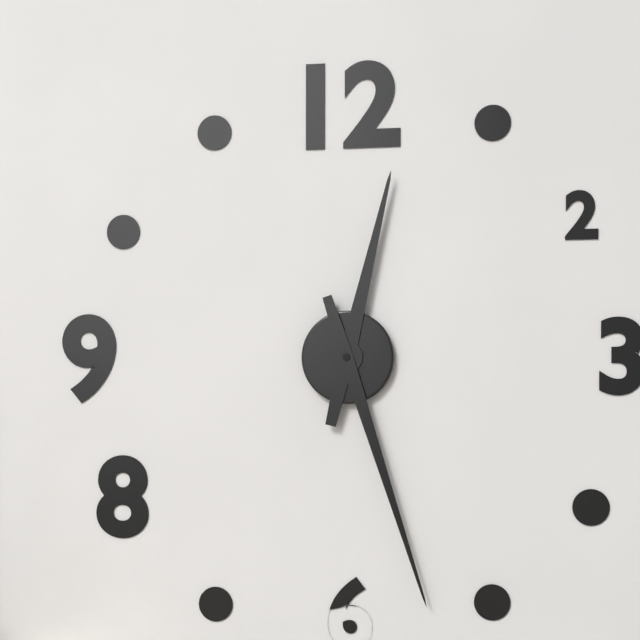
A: 12 h 27 min
